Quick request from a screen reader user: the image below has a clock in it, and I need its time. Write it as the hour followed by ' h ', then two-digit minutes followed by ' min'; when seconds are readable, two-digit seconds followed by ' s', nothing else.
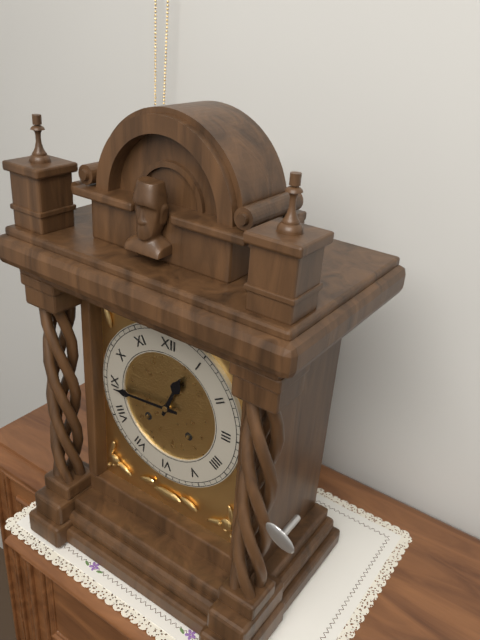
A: 12 h 44 min
